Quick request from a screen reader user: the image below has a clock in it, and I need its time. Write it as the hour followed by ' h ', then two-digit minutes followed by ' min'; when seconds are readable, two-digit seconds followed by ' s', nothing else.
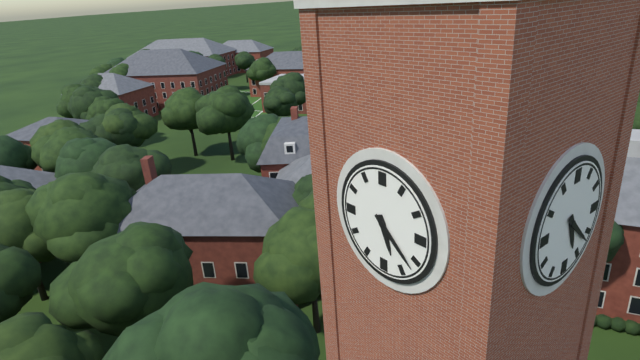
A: 5 h 22 min
